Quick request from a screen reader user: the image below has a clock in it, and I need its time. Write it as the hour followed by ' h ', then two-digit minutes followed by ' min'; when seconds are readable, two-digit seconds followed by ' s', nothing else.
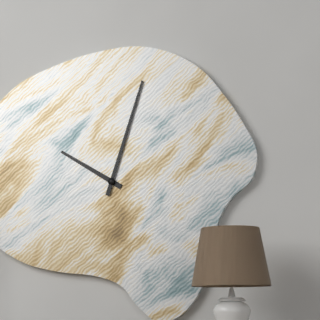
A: 10 h 03 min
